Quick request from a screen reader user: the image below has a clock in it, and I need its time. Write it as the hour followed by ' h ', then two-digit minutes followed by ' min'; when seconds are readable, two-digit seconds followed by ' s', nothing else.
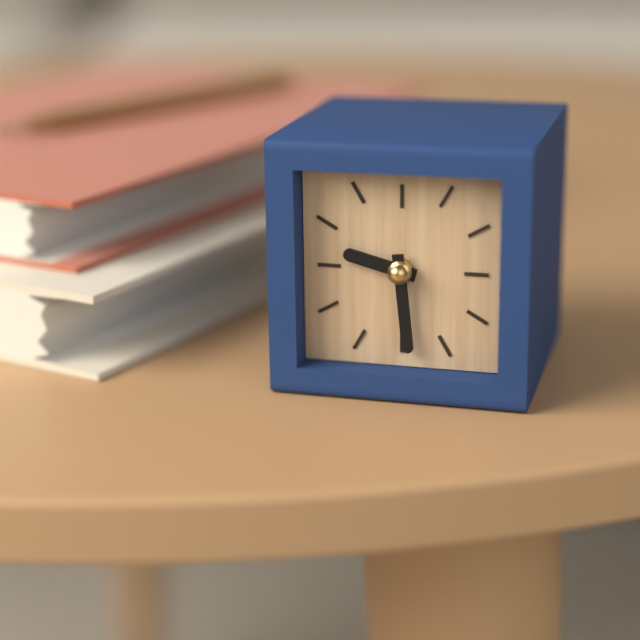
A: 9 h 29 min
